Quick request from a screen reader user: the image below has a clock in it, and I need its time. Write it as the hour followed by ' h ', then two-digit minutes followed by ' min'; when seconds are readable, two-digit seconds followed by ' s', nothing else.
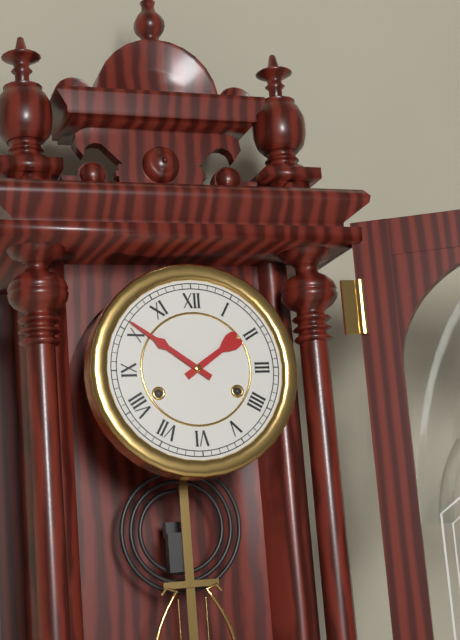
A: 1 h 51 min
